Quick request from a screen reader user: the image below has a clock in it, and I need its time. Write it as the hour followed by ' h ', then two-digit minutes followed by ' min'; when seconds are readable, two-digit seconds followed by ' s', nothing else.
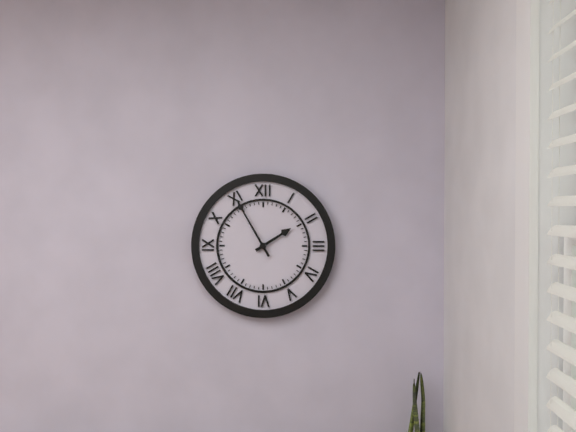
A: 1 h 55 min
